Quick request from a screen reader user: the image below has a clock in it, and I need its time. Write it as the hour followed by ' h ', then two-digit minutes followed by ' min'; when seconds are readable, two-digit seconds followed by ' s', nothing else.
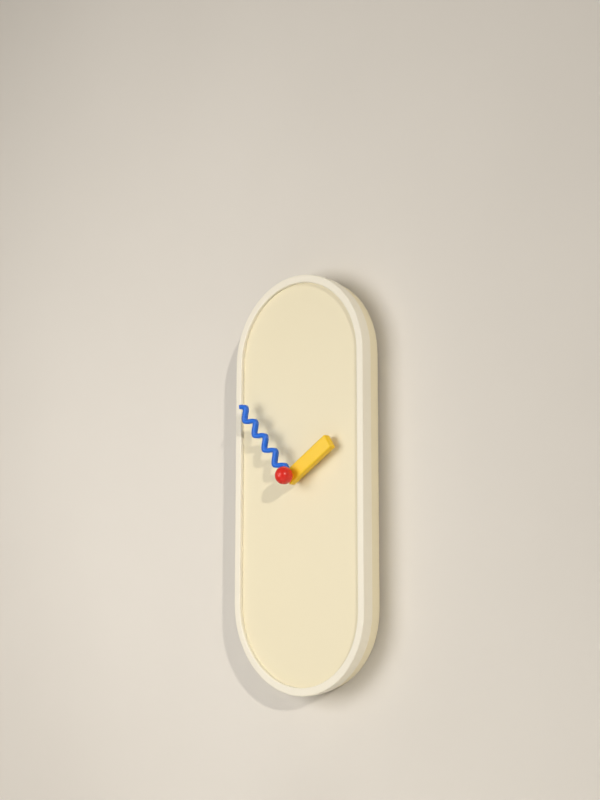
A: 1 h 53 min
